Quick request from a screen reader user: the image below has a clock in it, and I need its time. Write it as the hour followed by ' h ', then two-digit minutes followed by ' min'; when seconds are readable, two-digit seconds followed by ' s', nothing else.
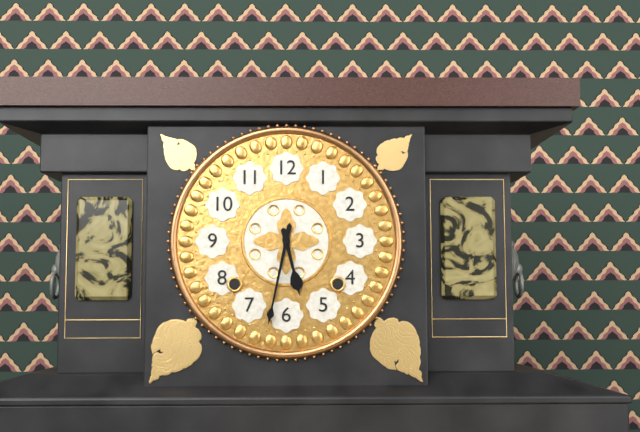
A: 5 h 32 min
